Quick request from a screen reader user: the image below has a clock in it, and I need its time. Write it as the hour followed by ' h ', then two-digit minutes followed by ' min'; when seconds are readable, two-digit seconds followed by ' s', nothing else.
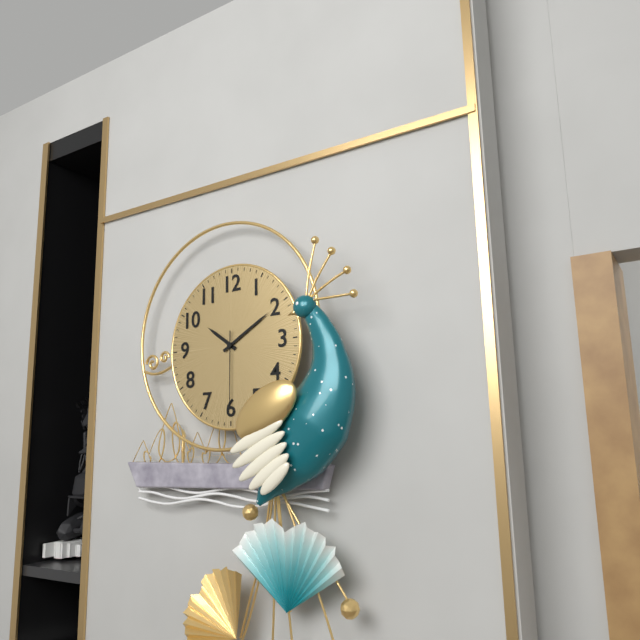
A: 10 h 10 min 30 s
